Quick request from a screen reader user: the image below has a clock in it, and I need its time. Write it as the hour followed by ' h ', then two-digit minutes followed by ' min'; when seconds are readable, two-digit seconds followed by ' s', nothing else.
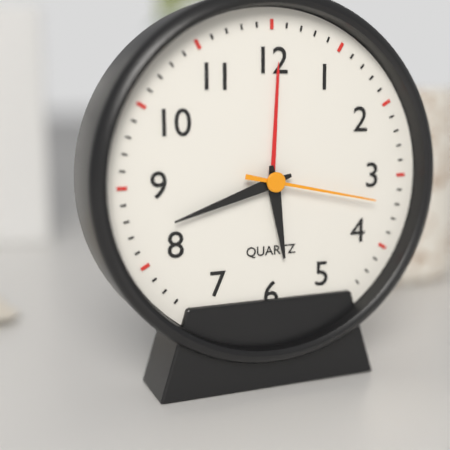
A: 5 h 42 min 17 s
